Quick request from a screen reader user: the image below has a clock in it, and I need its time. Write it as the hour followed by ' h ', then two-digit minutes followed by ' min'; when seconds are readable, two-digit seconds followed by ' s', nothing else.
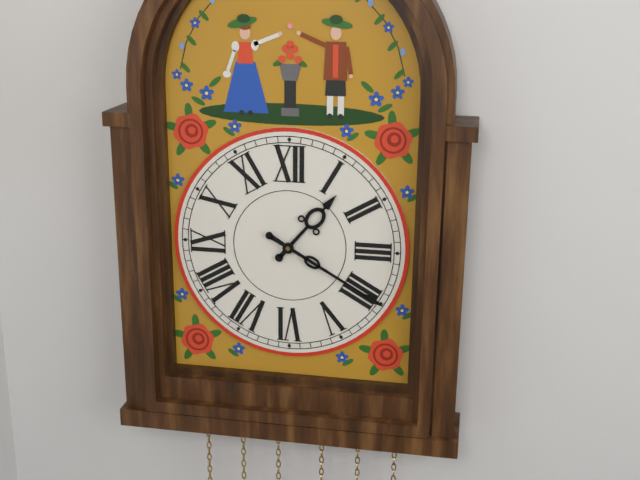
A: 1 h 20 min
